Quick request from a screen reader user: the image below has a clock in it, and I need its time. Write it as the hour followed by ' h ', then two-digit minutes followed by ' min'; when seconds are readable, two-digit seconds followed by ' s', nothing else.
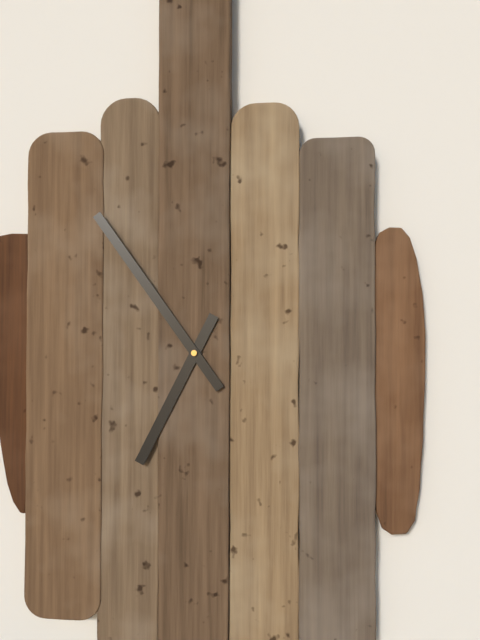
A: 6 h 54 min
